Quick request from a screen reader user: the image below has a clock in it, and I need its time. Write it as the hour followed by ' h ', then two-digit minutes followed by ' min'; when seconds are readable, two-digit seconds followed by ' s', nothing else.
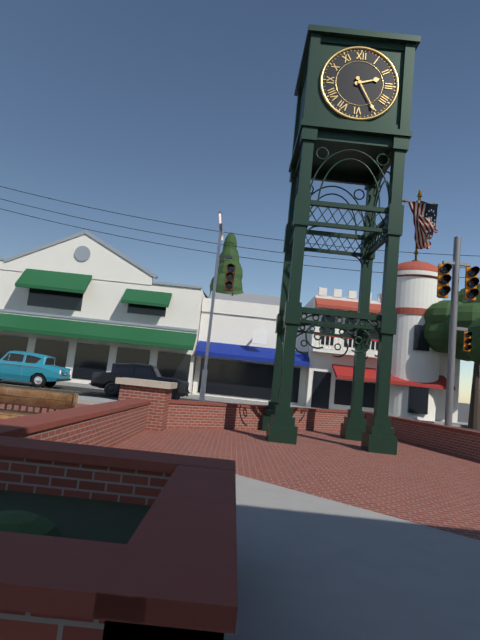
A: 2 h 25 min
